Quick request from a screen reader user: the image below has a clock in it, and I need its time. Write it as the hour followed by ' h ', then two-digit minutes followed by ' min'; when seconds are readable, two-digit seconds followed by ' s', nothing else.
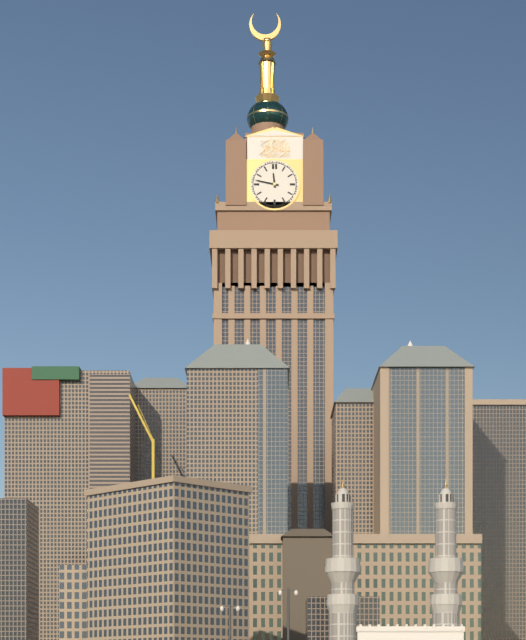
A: 11 h 47 min
